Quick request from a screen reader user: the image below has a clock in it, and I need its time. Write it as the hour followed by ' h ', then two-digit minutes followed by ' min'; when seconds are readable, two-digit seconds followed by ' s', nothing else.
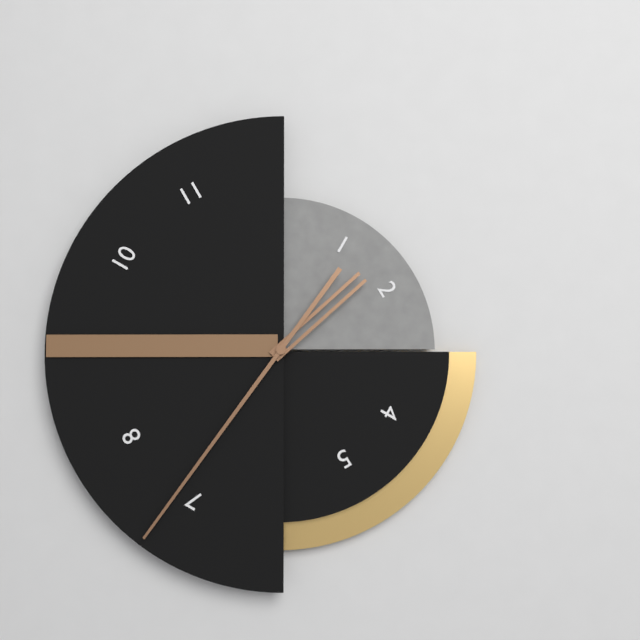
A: 1 h 36 min
